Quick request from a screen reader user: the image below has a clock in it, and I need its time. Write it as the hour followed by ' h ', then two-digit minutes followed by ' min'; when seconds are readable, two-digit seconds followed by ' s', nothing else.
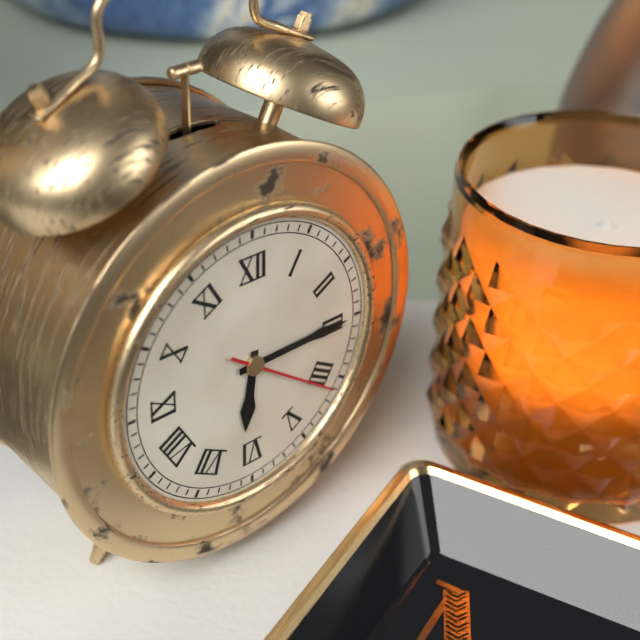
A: 6 h 15 min 21 s
